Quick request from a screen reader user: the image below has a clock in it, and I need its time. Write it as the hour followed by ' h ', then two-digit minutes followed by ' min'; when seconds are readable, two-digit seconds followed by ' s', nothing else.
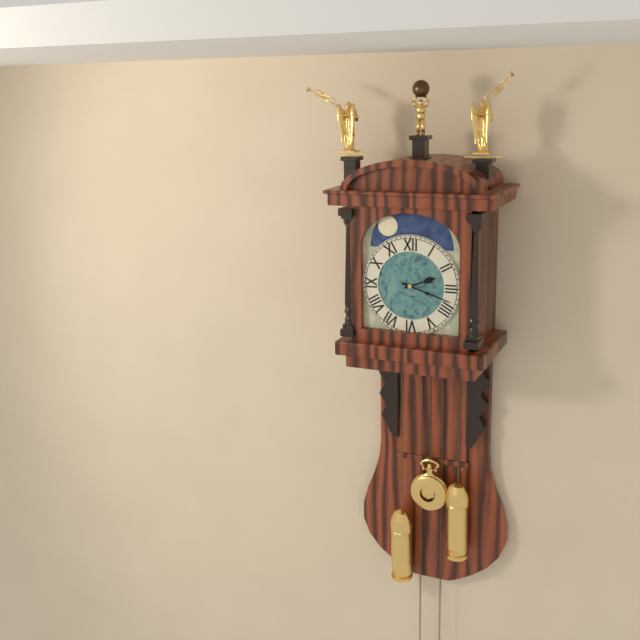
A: 2 h 18 min
